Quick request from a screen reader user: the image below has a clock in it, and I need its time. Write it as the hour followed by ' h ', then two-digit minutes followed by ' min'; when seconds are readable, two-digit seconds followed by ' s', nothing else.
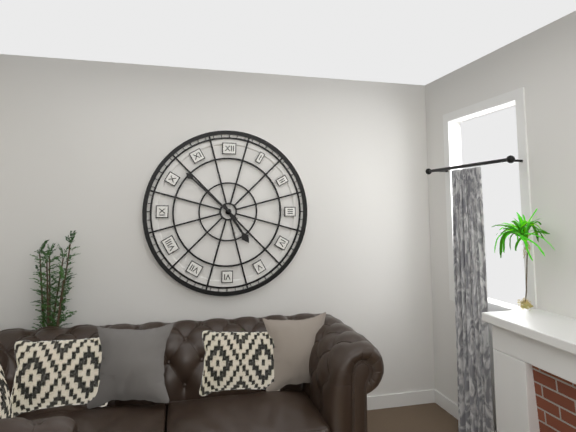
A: 4 h 52 min
